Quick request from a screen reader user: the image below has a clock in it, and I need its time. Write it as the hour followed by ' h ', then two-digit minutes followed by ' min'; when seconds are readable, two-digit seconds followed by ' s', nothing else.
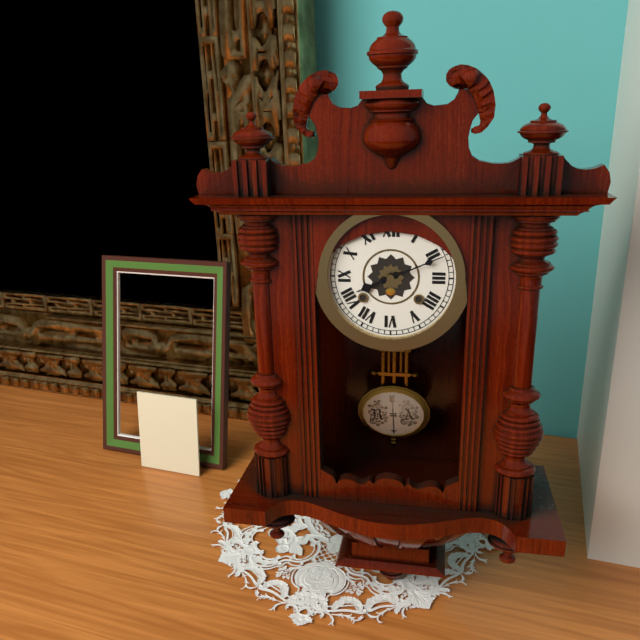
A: 8 h 11 min
